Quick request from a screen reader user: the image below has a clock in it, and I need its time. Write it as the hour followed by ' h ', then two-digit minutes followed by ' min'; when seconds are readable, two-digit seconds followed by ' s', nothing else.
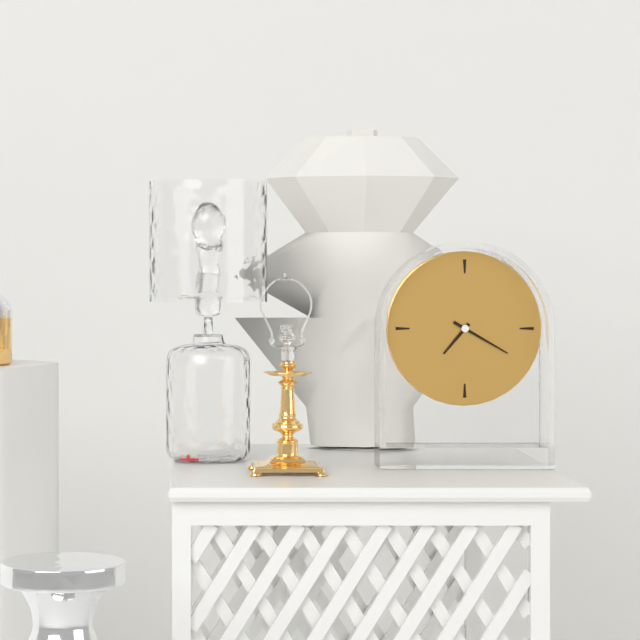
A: 7 h 20 min
